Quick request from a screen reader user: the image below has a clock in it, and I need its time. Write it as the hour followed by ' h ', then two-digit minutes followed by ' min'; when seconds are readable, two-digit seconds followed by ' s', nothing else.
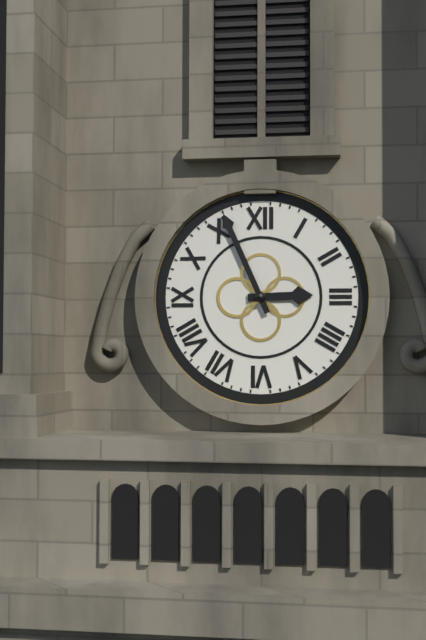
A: 2 h 56 min
